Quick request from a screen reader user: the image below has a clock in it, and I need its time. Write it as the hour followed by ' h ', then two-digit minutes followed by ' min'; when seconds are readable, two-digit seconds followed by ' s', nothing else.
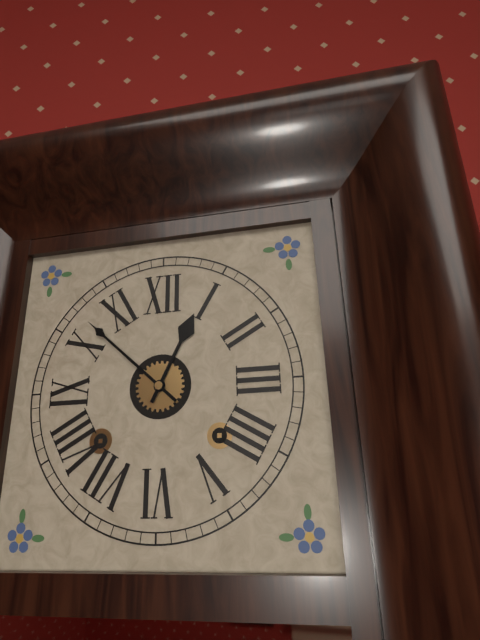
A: 12 h 52 min
